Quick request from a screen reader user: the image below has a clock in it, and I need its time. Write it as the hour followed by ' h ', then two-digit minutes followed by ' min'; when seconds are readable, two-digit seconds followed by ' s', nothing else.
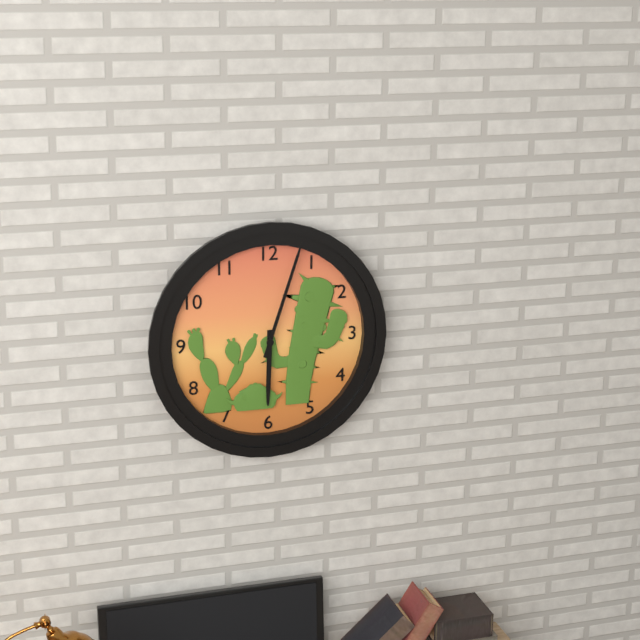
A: 6 h 03 min
